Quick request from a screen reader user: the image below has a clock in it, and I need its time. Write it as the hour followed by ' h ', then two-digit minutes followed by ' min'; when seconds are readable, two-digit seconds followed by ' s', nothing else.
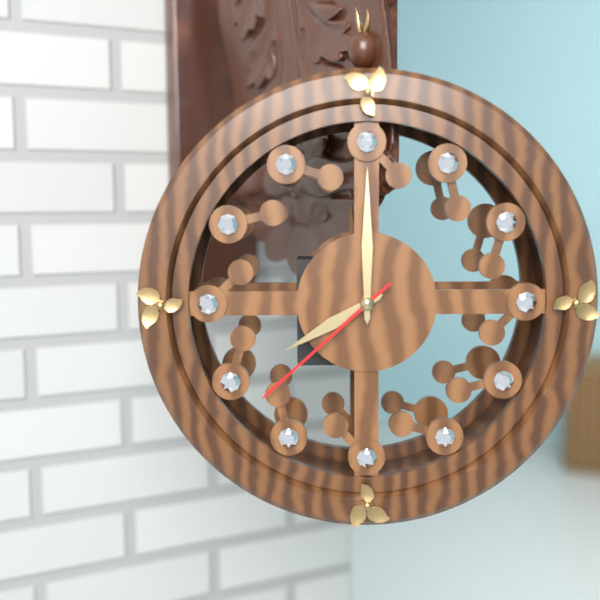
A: 8 h 00 min 38 s
